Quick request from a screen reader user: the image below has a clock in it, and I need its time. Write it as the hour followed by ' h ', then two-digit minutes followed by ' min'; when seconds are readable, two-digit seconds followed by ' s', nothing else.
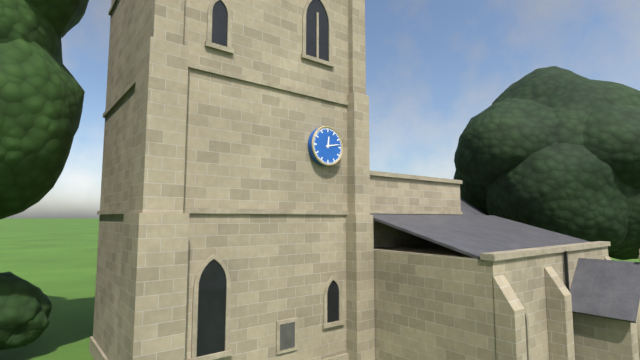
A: 12 h 13 min
